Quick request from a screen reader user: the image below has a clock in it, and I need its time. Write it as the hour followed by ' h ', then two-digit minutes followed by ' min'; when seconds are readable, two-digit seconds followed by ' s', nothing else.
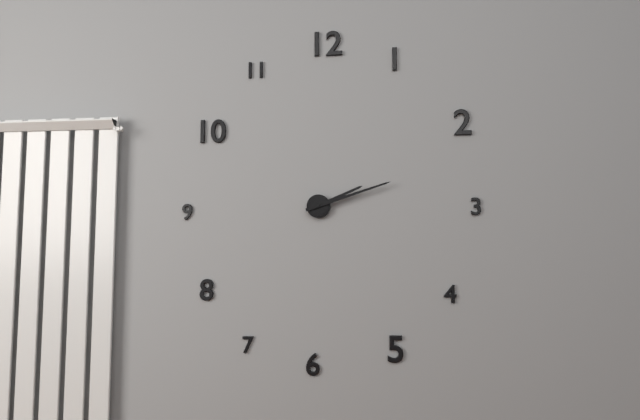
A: 2 h 12 min
